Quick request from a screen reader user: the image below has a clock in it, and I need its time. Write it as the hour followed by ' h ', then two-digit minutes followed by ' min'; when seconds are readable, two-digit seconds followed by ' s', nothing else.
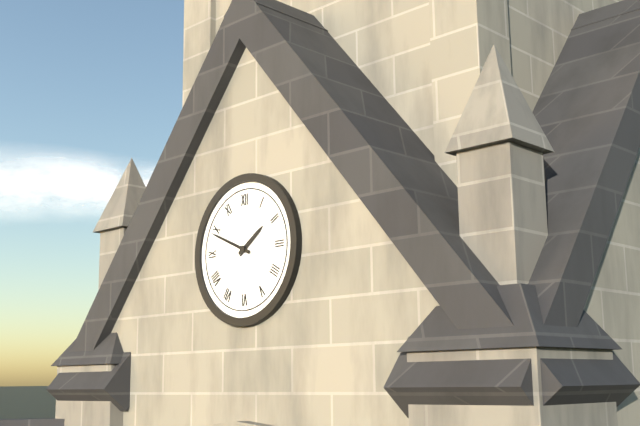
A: 1 h 49 min
